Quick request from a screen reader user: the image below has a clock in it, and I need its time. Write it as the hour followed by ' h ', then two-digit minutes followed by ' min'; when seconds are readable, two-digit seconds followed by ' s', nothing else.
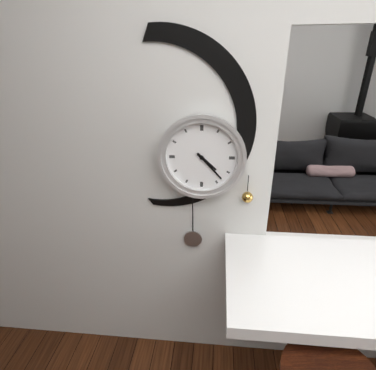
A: 4 h 23 min
